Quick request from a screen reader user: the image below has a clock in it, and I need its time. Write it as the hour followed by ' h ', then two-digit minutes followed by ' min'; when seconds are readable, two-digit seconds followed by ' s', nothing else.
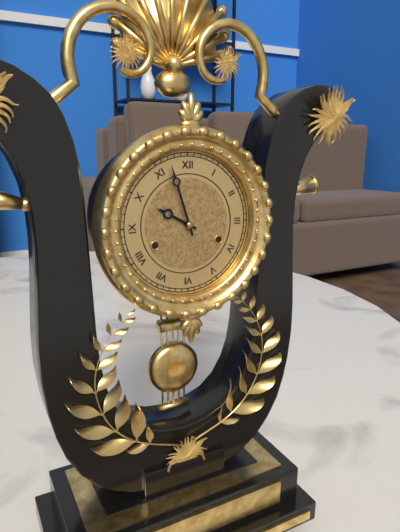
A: 9 h 57 min
